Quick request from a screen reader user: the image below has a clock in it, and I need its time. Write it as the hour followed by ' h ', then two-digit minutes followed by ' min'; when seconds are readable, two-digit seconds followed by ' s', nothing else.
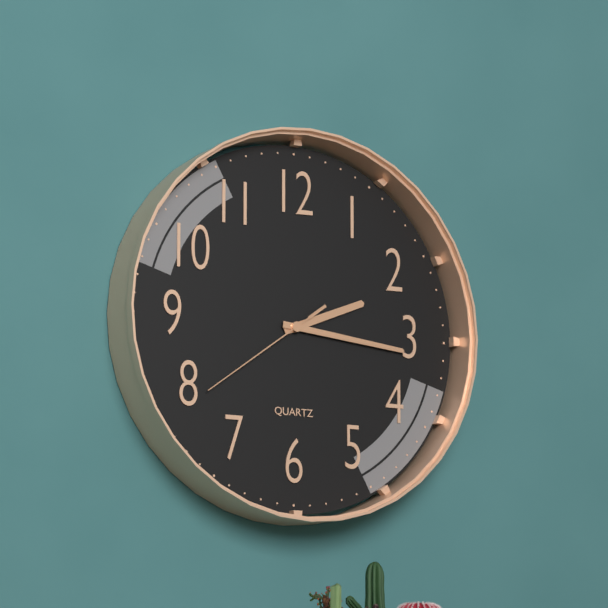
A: 2 h 16 min 39 s
